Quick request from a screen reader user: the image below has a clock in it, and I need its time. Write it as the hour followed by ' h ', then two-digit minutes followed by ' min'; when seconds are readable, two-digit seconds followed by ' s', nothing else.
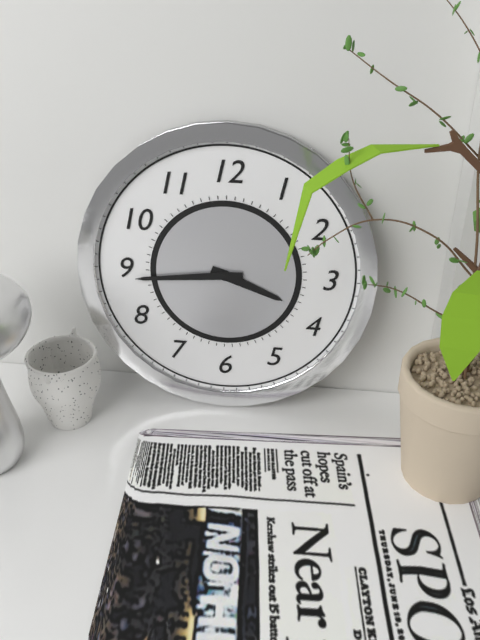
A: 3 h 44 min
